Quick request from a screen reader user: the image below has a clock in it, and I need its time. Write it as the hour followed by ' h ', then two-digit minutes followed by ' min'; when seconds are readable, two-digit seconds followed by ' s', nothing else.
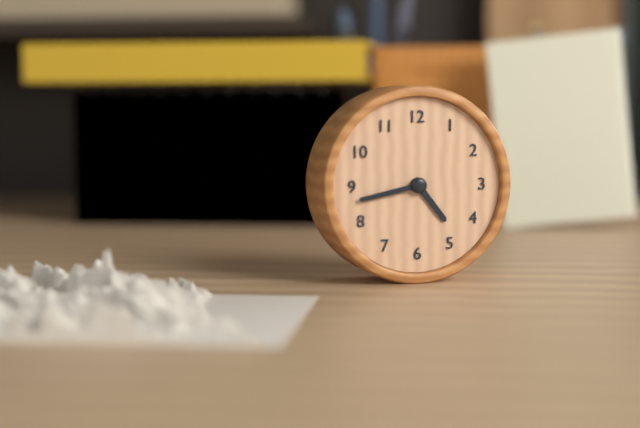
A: 4 h 43 min
